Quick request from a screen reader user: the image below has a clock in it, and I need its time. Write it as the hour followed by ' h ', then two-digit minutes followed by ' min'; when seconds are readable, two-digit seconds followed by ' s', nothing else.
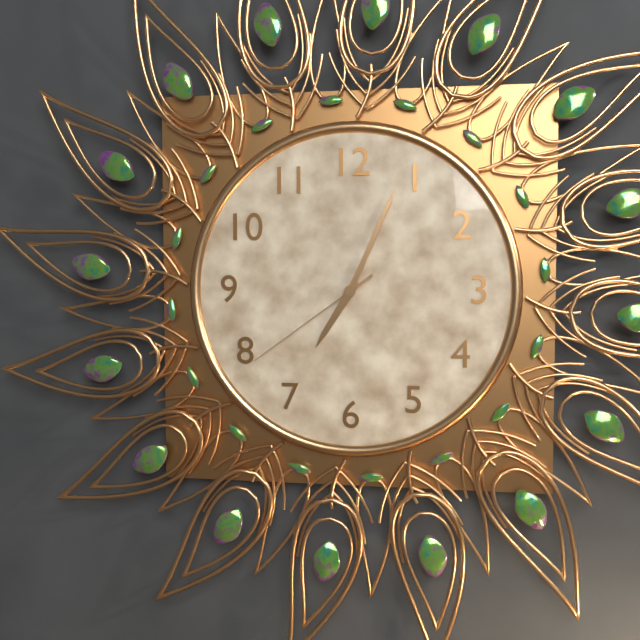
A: 7 h 04 min 39 s
